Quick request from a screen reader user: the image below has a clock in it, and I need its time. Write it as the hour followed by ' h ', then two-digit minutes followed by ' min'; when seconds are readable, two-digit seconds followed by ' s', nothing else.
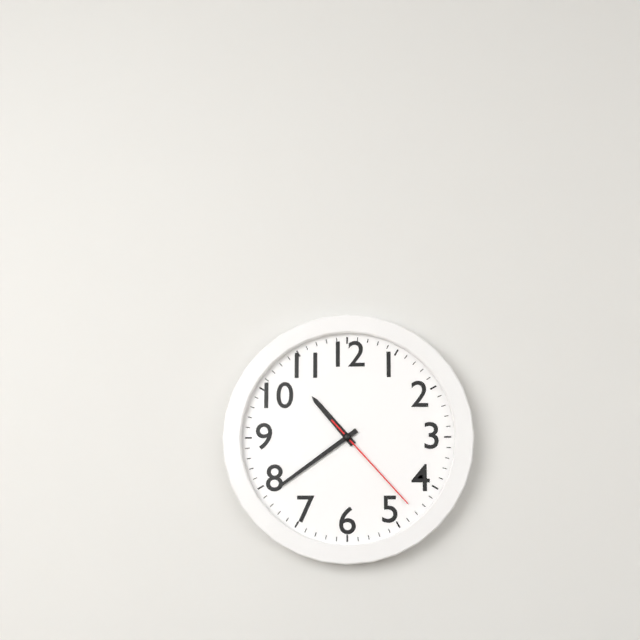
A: 10 h 39 min 23 s
